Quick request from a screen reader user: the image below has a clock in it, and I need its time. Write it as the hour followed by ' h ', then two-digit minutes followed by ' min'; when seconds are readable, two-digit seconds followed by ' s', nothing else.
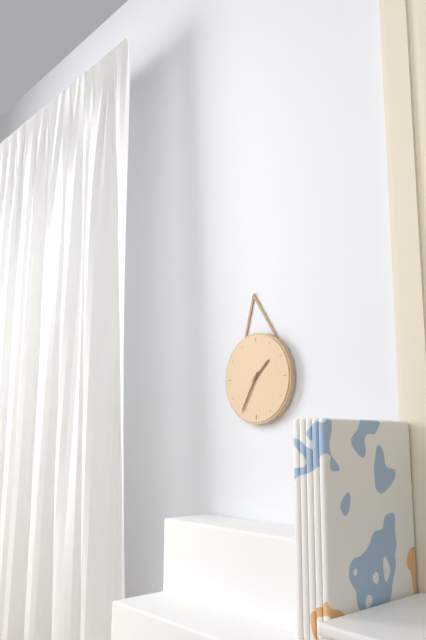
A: 1 h 35 min
